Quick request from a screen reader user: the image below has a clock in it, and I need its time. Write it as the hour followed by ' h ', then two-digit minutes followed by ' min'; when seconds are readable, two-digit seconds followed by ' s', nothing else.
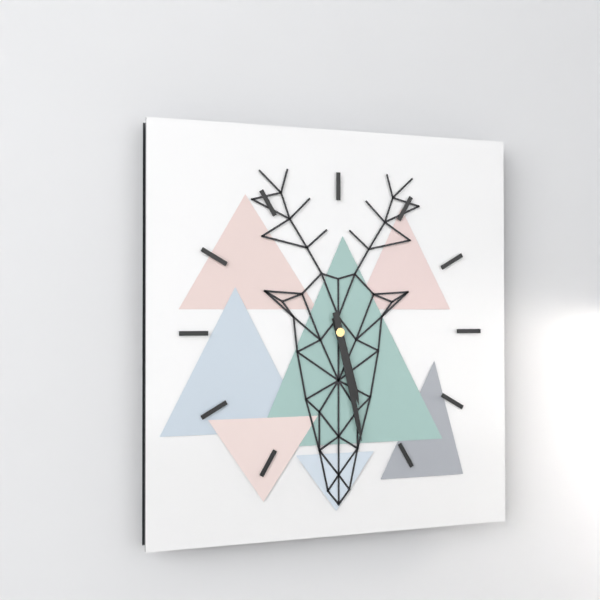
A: 5 h 28 min
